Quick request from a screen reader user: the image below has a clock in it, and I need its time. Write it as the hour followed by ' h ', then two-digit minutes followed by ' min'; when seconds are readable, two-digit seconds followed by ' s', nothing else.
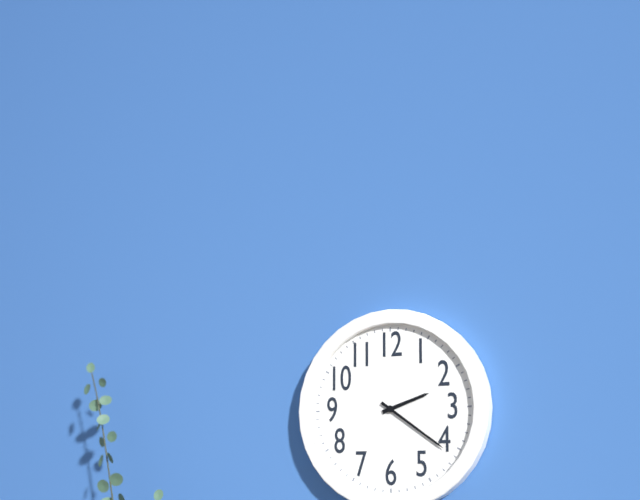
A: 2 h 21 min
